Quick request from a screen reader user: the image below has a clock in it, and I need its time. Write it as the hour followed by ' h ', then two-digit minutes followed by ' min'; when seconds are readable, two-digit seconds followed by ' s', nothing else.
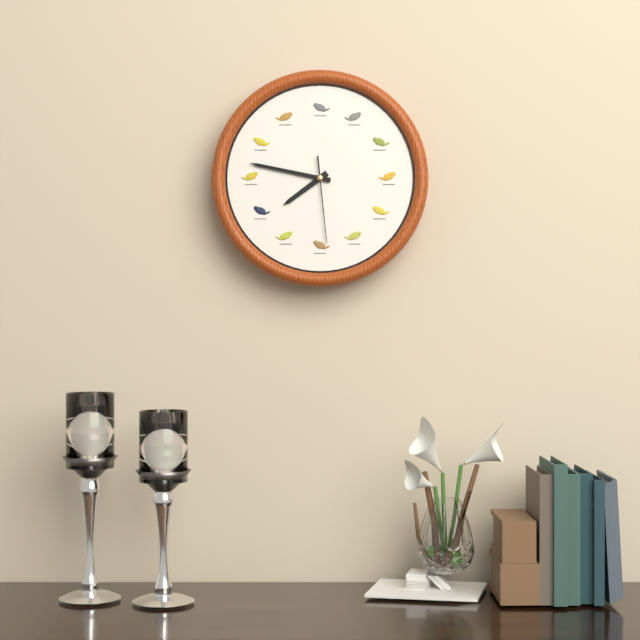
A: 7 h 47 min 29 s
